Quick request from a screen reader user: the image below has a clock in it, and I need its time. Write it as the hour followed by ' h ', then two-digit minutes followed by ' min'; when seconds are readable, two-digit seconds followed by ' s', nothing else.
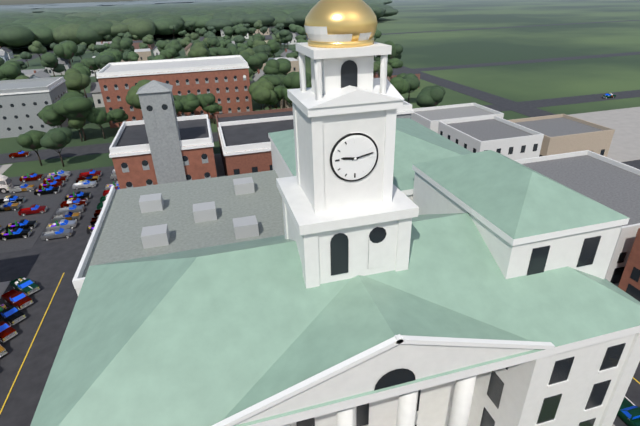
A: 9 h 13 min
